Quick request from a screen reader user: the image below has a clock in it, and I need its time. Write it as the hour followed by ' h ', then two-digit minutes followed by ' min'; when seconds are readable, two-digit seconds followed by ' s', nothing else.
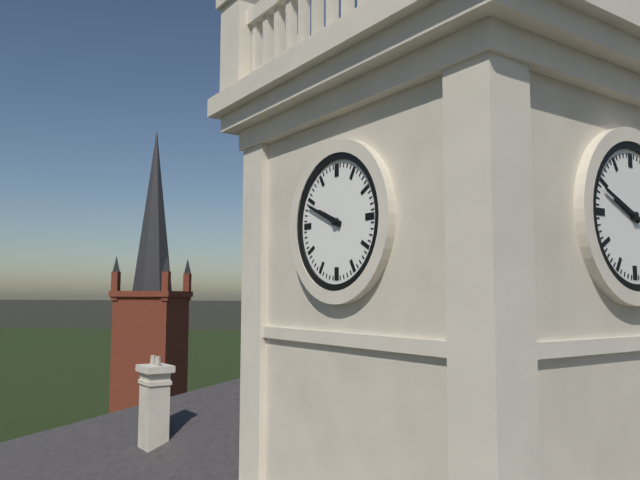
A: 9 h 49 min
